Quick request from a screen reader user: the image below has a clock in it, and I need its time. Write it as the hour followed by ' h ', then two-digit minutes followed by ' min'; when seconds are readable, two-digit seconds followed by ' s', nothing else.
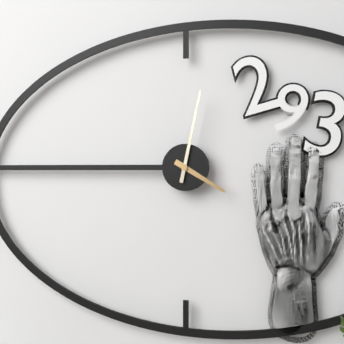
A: 4 h 02 min
